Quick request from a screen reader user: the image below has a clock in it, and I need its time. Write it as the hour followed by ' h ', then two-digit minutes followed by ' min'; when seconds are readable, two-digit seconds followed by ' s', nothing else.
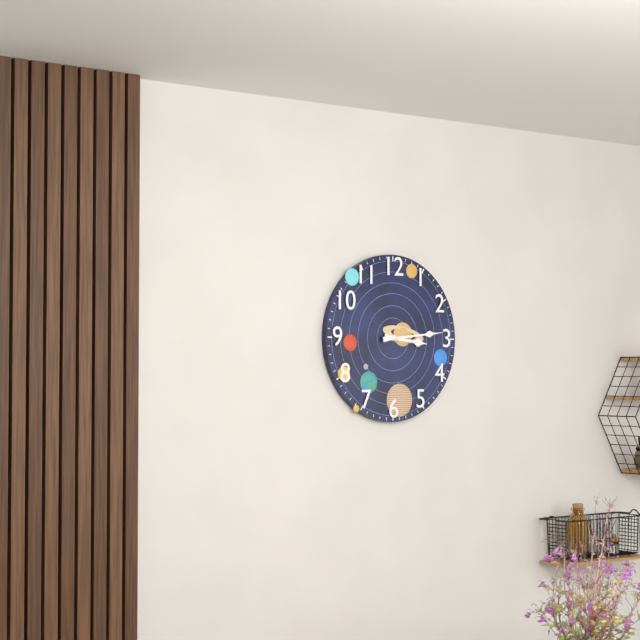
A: 3 h 14 min
